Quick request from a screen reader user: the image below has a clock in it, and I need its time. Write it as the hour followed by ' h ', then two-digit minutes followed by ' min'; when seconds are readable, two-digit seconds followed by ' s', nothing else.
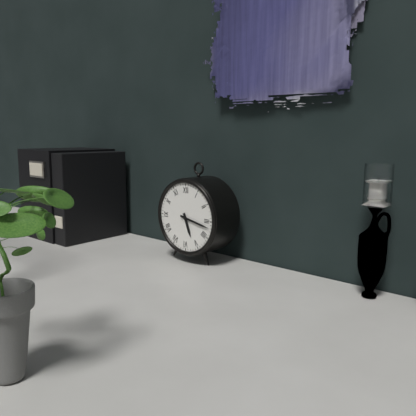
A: 5 h 17 min
